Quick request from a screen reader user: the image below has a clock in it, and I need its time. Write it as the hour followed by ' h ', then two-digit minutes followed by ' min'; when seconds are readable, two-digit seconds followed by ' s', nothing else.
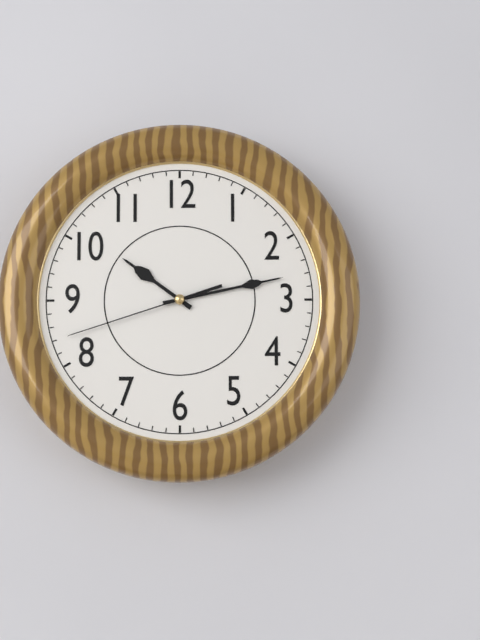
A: 10 h 13 min 42 s
